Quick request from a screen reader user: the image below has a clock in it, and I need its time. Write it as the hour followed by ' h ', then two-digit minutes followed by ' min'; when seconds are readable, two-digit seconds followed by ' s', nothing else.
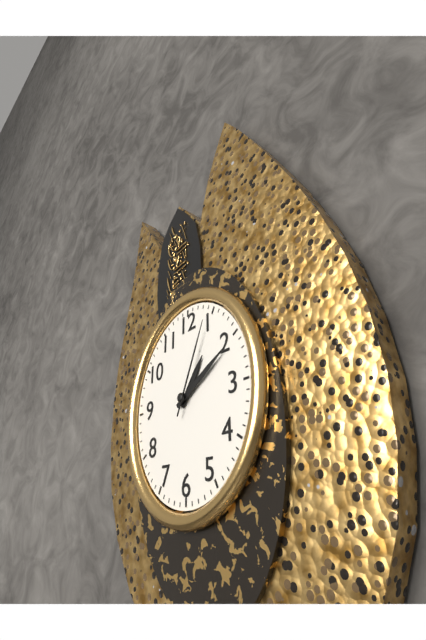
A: 1 h 10 min 04 s
